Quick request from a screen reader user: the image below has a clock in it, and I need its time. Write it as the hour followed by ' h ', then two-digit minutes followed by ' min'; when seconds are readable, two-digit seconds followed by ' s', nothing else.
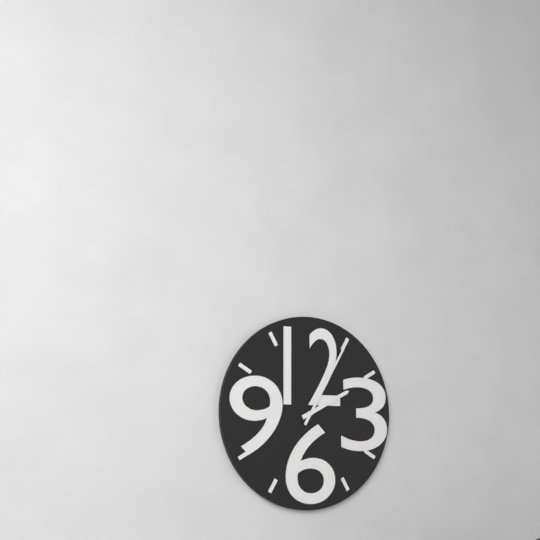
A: 2 h 05 min
